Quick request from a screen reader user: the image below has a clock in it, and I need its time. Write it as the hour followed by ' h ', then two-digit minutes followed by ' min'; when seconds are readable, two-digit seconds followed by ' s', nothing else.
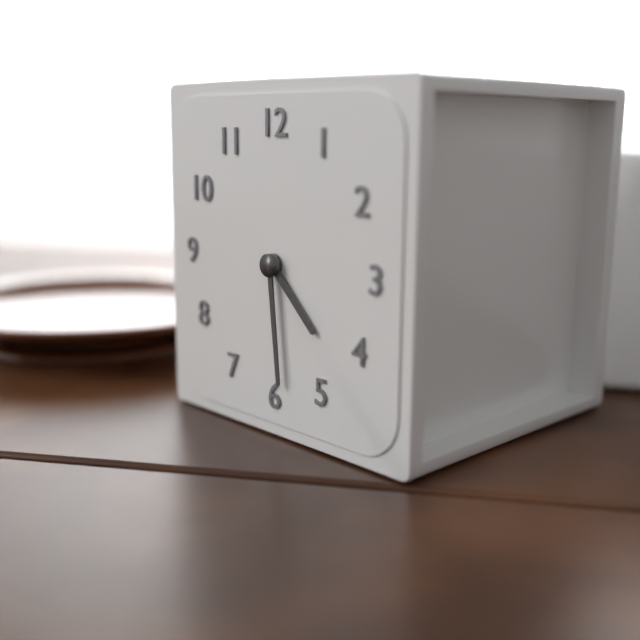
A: 4 h 29 min
